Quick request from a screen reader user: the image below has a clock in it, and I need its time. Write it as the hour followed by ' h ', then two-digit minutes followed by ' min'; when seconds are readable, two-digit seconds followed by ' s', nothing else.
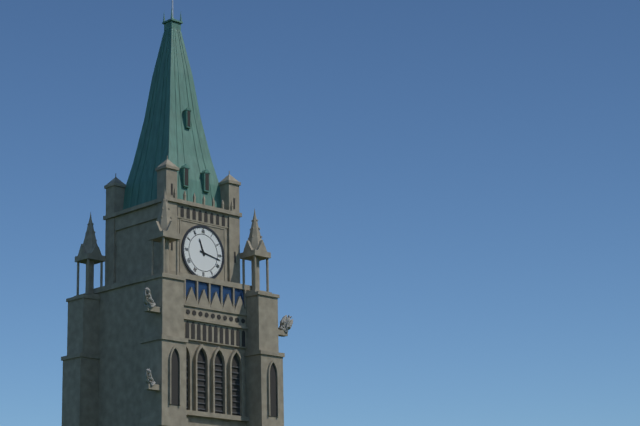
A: 11 h 17 min
